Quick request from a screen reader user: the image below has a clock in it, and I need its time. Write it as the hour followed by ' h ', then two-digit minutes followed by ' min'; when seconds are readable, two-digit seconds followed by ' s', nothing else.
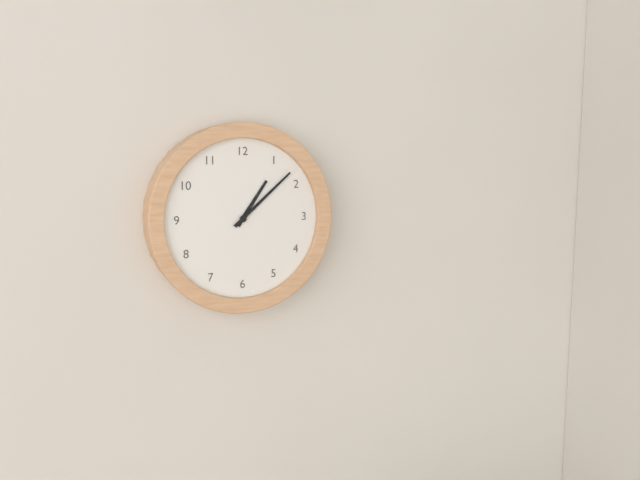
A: 1 h 08 min
